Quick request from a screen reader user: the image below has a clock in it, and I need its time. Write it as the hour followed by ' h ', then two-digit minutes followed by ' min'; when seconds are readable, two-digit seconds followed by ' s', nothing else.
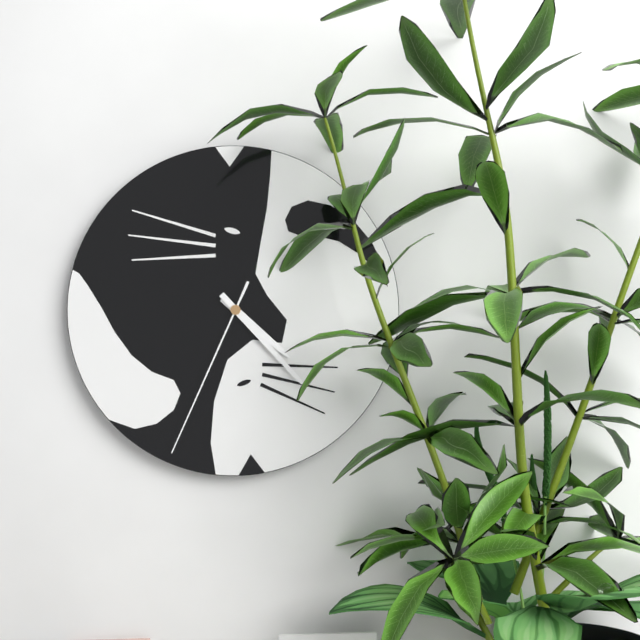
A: 4 h 23 min 34 s
